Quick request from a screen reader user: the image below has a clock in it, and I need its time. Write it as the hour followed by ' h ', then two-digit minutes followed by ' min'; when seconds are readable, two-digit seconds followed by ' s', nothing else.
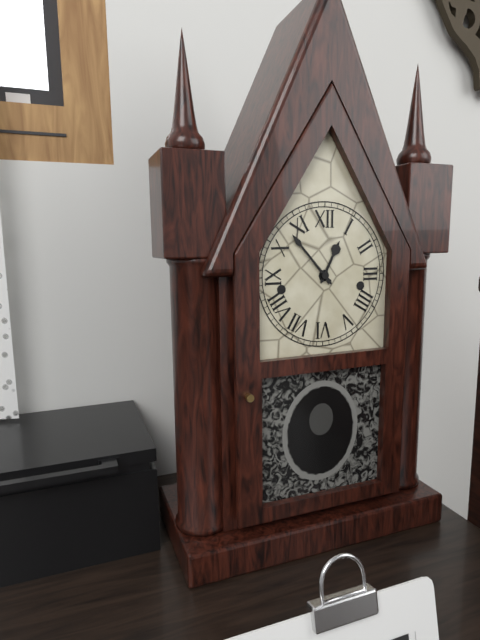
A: 12 h 53 min
